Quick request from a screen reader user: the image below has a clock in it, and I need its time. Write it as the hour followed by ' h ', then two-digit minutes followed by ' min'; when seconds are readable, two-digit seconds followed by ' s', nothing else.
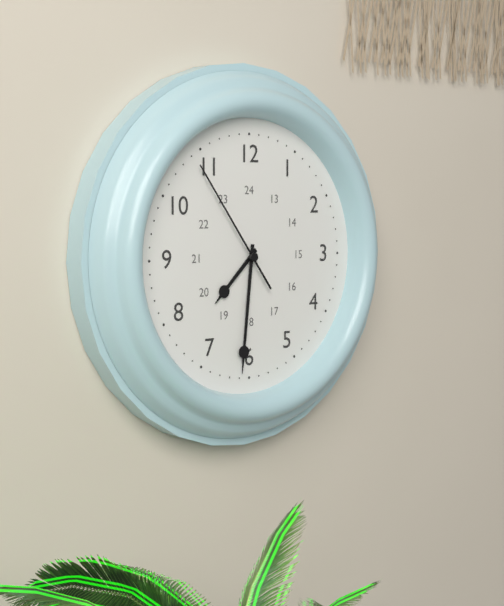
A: 7 h 31 min 54 s
